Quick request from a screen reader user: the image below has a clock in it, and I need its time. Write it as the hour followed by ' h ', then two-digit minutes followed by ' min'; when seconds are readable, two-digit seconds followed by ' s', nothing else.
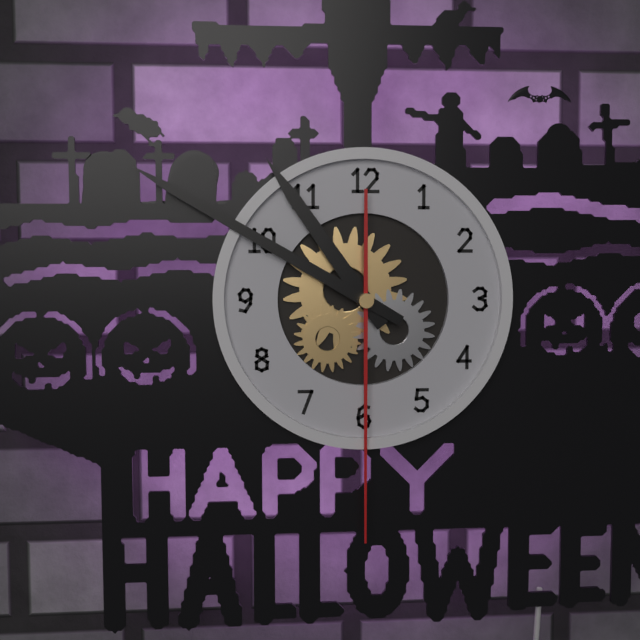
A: 10 h 50 min 30 s
